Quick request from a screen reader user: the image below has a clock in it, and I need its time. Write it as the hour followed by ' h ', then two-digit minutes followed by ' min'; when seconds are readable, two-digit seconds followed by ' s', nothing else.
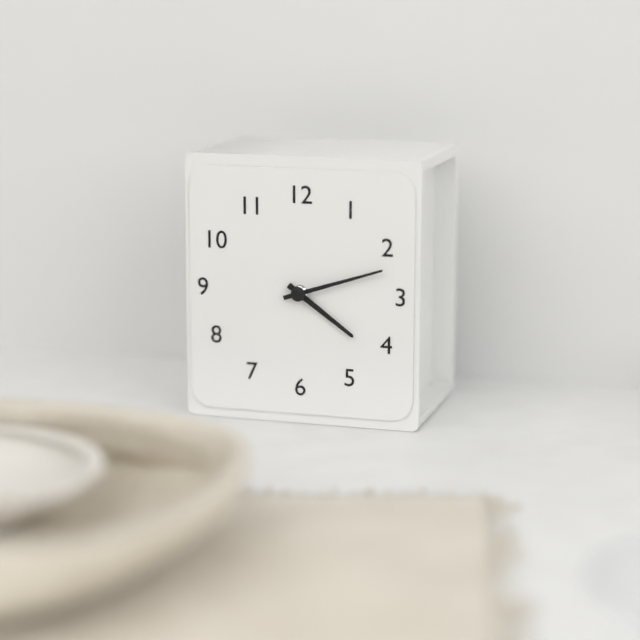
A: 4 h 12 min
